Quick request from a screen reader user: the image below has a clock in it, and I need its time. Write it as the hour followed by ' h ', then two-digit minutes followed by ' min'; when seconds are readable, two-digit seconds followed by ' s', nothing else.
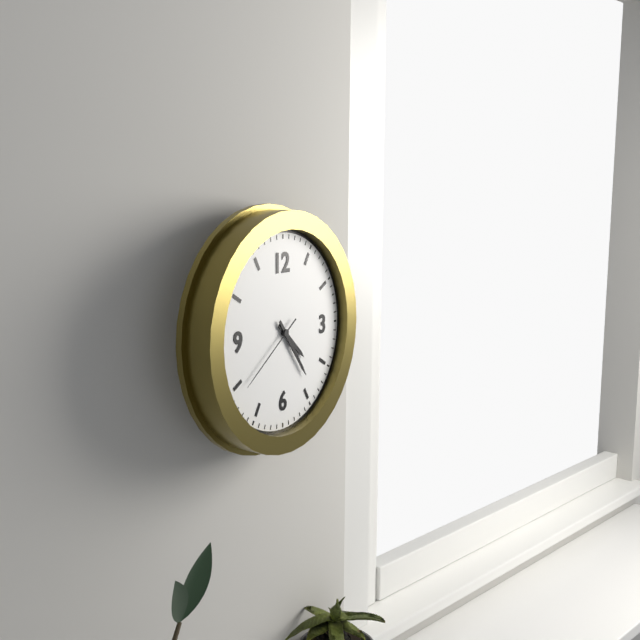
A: 4 h 24 min 39 s
